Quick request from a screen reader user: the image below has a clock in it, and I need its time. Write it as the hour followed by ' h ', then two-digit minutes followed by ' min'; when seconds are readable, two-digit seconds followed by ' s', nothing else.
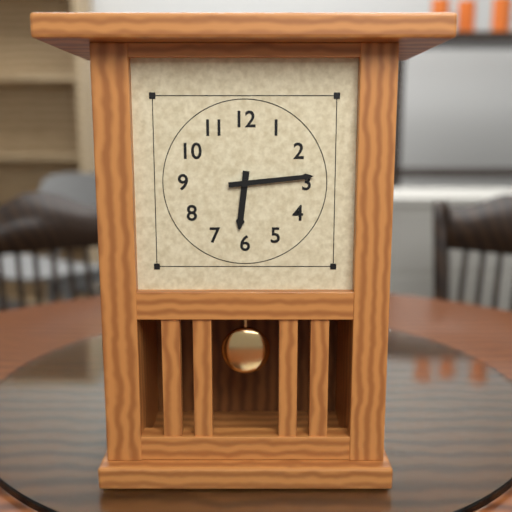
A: 6 h 14 min
